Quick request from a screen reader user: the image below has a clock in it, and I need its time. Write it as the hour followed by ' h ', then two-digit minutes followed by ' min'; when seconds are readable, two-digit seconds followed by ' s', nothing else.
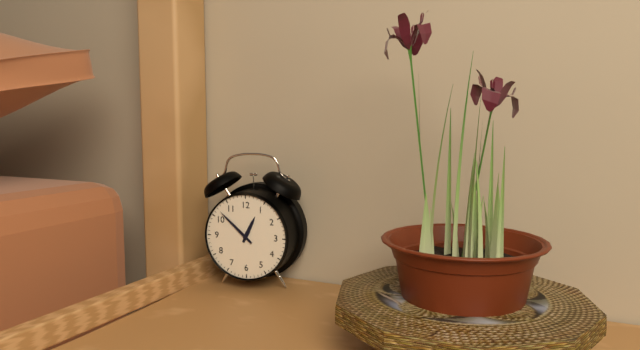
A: 12 h 52 min
